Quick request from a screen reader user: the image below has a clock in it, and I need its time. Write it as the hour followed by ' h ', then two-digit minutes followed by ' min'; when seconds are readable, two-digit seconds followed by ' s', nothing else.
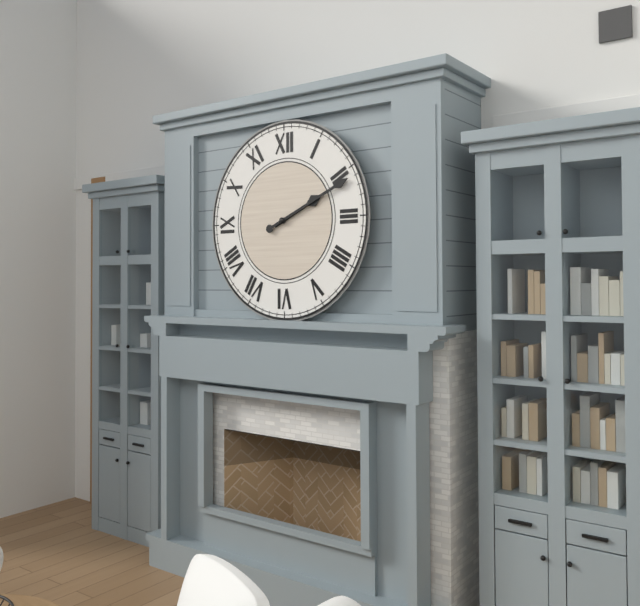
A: 2 h 11 min
